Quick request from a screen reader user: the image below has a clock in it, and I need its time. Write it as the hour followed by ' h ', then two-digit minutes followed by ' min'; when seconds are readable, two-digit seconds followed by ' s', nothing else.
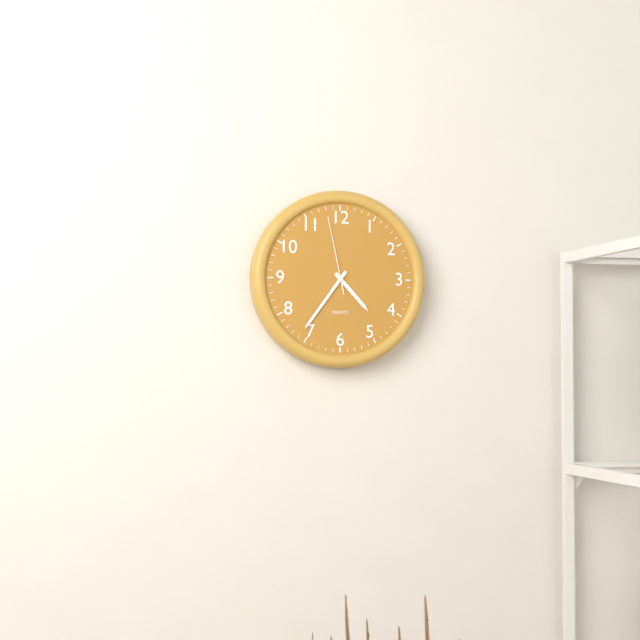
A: 4 h 36 min 58 s
